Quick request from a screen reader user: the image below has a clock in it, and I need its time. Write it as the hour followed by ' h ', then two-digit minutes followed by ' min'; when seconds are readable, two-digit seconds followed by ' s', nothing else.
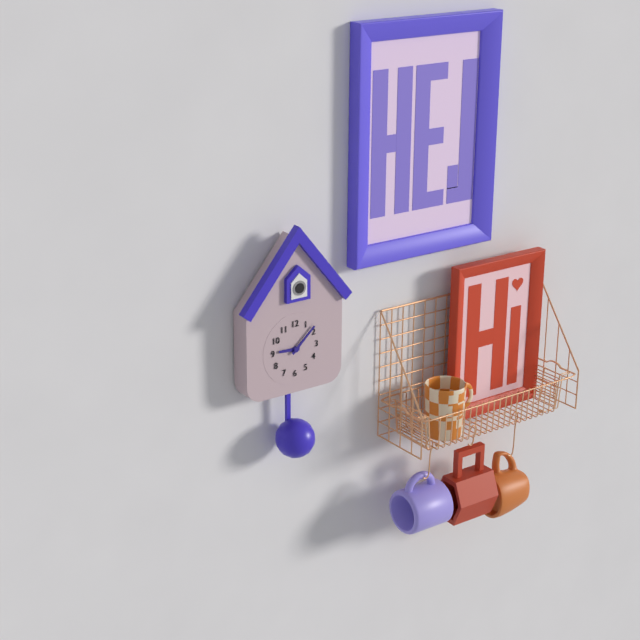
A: 9 h 08 min
